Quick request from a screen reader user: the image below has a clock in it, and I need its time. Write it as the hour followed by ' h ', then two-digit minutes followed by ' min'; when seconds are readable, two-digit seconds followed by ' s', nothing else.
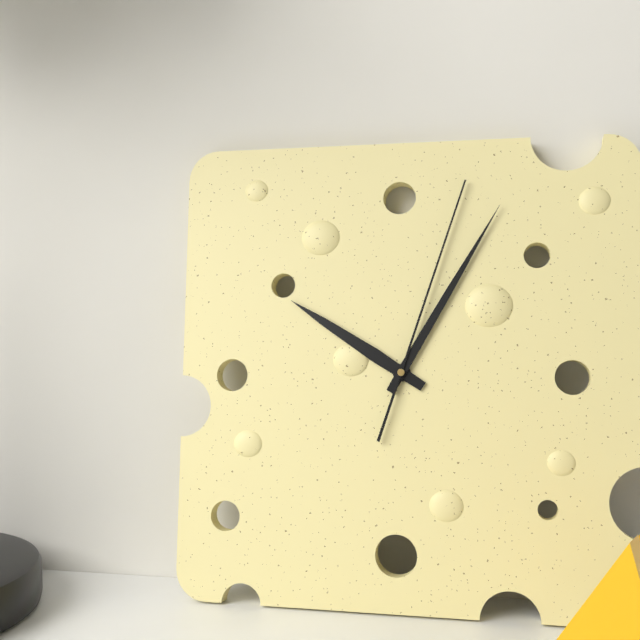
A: 10 h 05 min 03 s
